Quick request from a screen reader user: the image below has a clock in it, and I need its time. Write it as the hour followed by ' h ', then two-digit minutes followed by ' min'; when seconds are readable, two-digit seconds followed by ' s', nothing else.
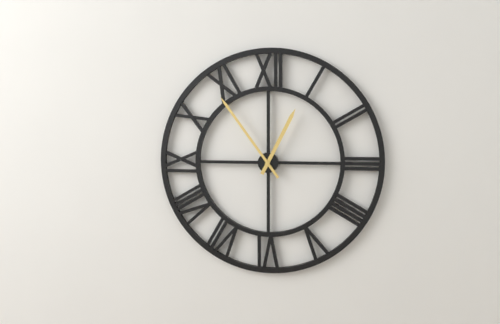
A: 12 h 54 min
